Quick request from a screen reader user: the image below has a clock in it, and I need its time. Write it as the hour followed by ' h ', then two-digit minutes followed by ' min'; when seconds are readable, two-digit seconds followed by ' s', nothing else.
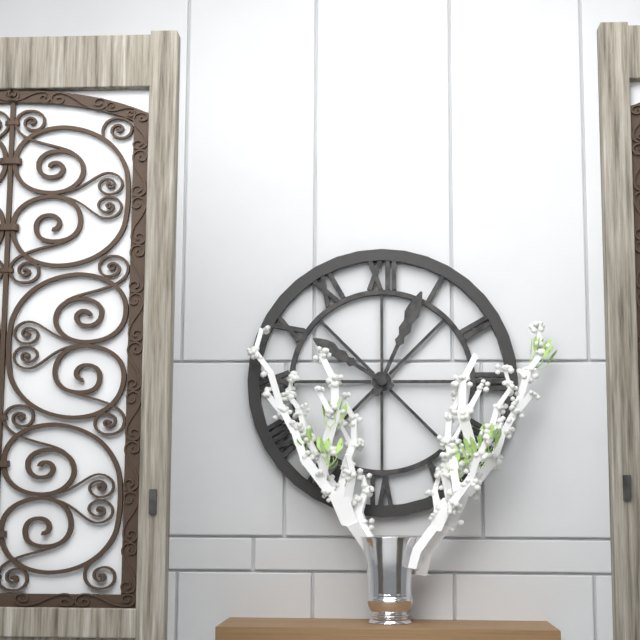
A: 10 h 04 min
